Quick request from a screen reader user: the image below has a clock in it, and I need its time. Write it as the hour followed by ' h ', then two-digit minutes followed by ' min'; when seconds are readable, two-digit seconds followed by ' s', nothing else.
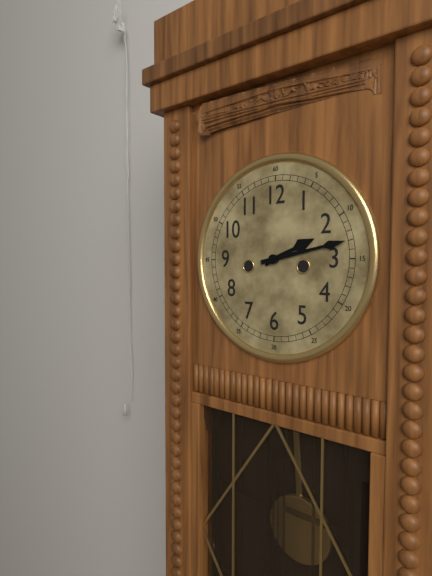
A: 2 h 13 min
